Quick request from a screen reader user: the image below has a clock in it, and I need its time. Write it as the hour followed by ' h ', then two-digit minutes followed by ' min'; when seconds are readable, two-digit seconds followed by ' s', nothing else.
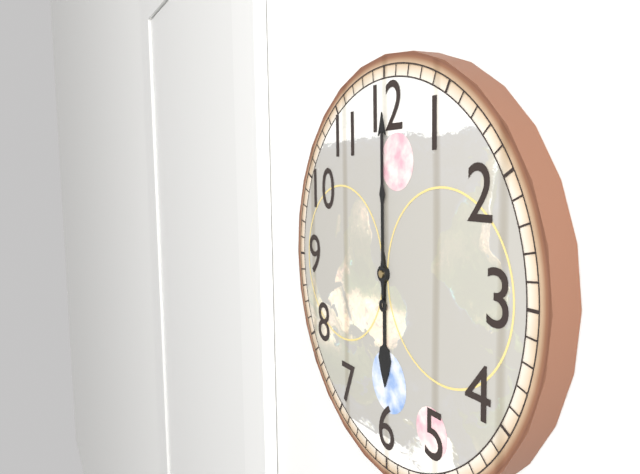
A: 6 h 00 min
